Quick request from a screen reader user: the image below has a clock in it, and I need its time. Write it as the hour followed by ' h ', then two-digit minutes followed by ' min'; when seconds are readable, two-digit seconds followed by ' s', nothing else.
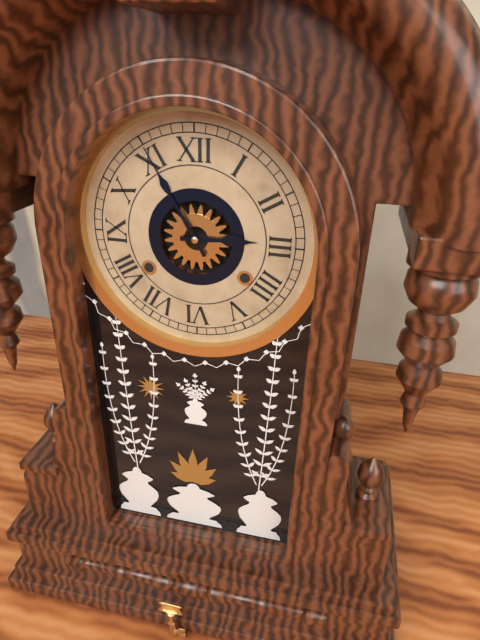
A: 2 h 55 min
